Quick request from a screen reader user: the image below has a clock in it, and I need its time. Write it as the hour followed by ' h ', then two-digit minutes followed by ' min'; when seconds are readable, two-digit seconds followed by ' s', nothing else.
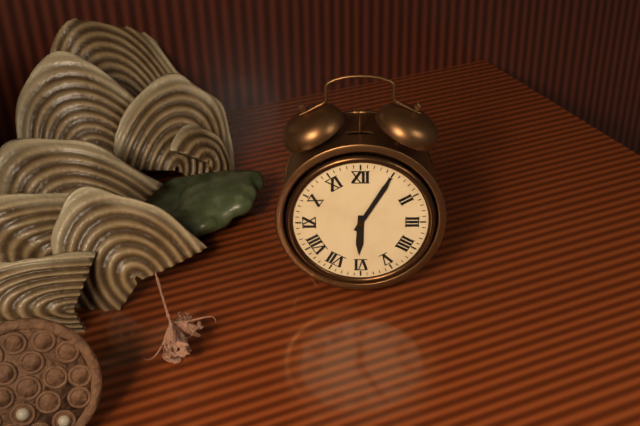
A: 6 h 05 min
